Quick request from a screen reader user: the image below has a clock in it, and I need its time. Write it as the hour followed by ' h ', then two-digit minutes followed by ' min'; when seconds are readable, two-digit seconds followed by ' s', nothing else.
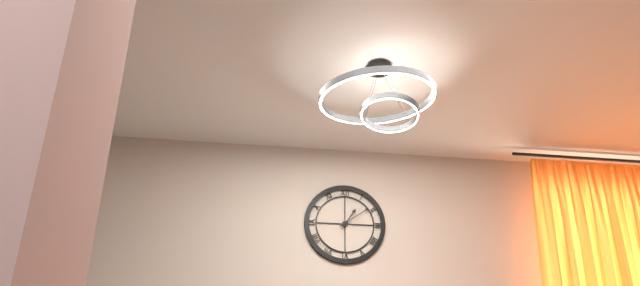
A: 1 h 09 min
